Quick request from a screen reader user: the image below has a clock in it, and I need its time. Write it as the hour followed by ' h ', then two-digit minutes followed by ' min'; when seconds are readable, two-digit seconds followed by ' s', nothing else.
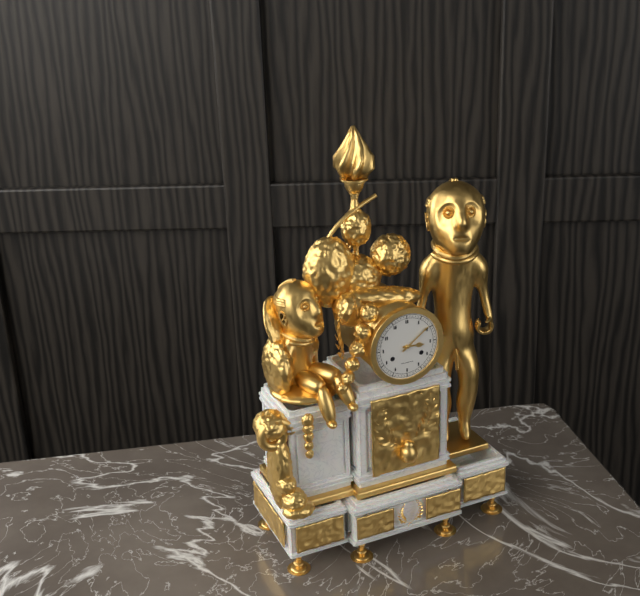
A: 3 h 09 min
